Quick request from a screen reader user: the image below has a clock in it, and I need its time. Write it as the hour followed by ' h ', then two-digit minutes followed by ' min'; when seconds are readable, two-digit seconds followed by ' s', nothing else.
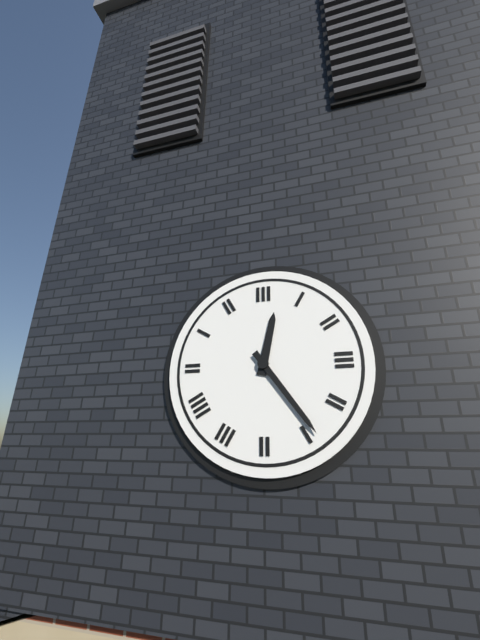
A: 12 h 24 min
